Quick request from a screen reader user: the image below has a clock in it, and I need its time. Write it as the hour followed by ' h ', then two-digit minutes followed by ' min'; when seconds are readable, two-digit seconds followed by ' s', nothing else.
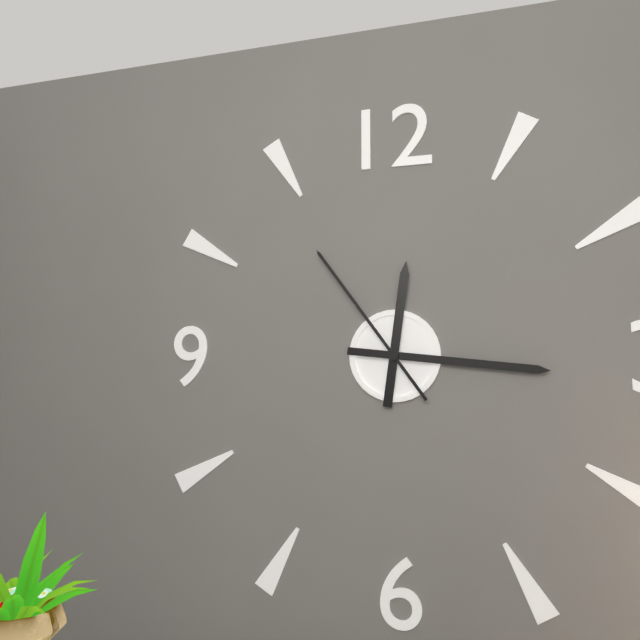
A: 12 h 16 min 54 s
